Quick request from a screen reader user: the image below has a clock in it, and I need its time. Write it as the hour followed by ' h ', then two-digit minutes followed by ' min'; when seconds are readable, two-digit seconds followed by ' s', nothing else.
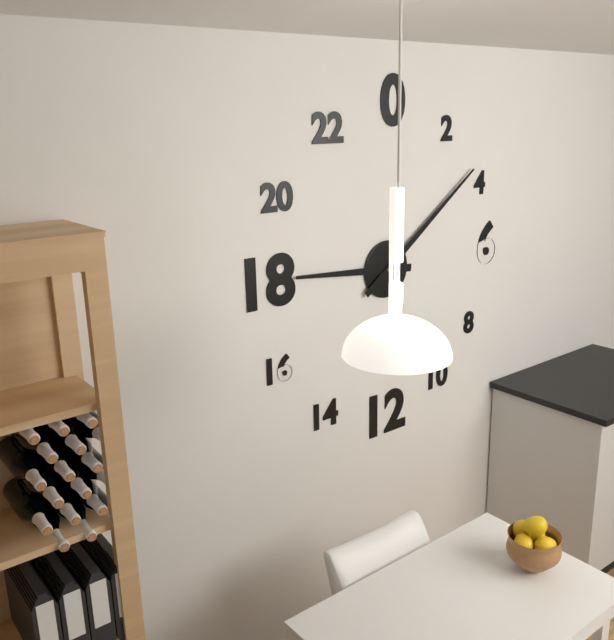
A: 9 h 09 min
